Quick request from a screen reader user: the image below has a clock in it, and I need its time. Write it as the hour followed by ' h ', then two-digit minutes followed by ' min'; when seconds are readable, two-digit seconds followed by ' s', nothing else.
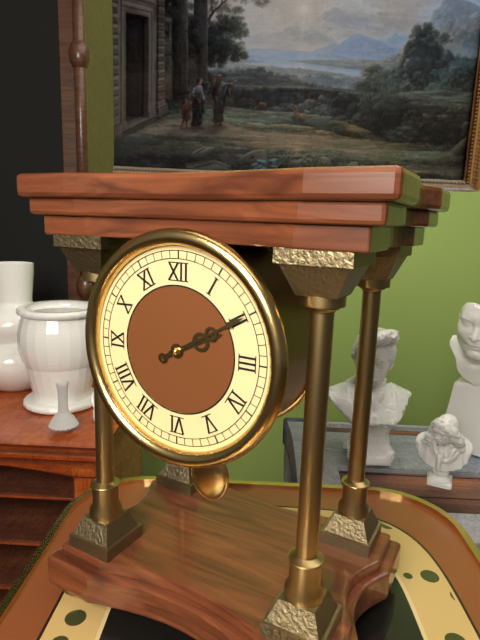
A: 2 h 10 min
